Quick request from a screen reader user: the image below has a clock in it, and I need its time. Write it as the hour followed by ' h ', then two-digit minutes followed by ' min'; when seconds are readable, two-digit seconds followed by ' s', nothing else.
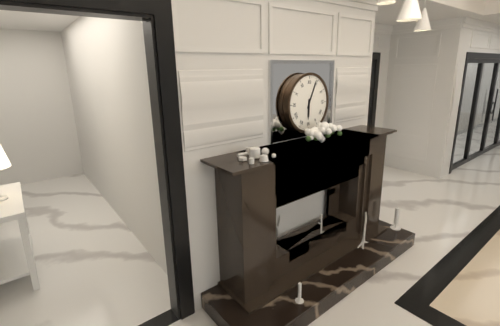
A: 6 h 04 min
